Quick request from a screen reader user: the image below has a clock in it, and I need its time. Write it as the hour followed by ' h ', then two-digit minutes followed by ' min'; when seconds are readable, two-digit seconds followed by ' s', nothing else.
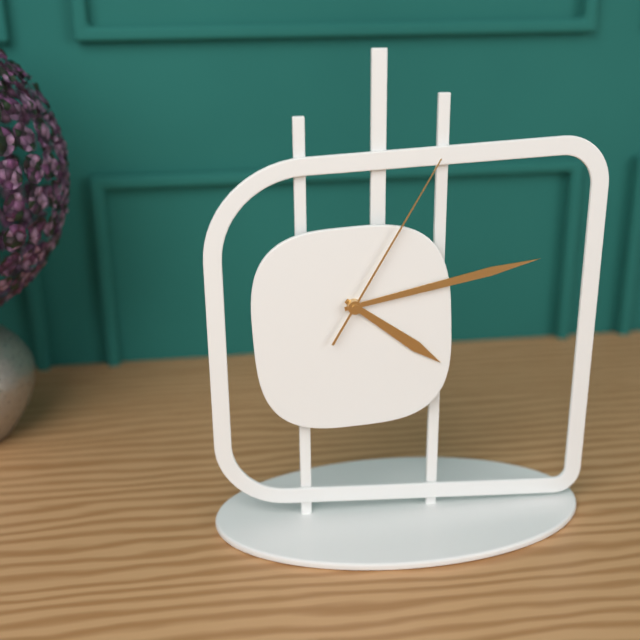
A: 4 h 13 min 05 s
